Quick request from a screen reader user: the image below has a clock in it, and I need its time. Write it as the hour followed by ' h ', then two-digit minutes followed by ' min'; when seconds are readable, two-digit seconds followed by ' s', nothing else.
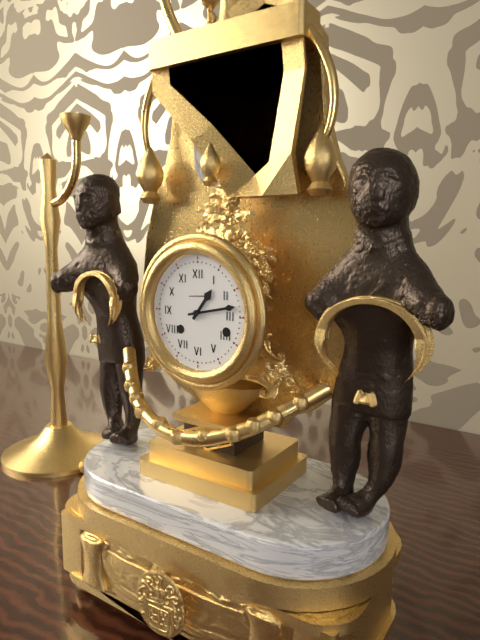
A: 1 h 13 min
